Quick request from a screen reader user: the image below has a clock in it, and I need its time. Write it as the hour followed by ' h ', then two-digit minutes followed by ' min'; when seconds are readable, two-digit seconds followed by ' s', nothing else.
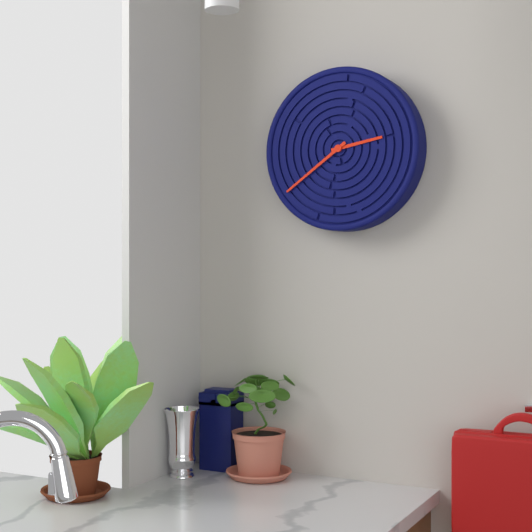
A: 2 h 39 min
